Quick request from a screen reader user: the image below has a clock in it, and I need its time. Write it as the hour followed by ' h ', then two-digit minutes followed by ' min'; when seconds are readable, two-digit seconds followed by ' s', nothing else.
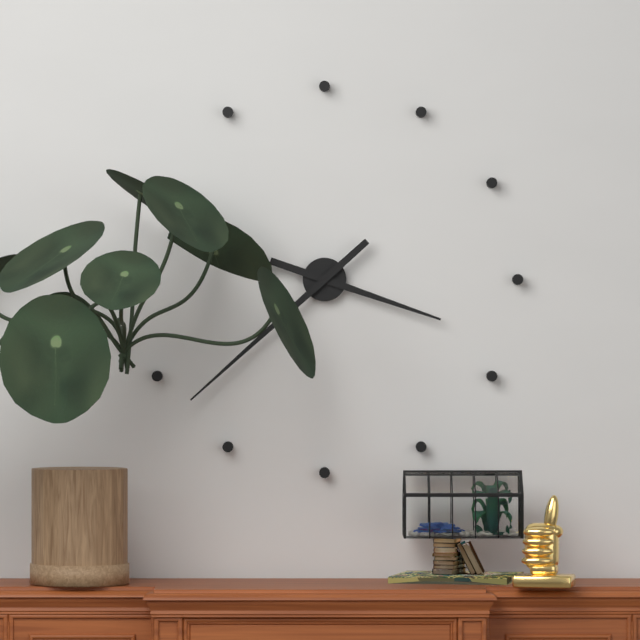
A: 3 h 38 min
